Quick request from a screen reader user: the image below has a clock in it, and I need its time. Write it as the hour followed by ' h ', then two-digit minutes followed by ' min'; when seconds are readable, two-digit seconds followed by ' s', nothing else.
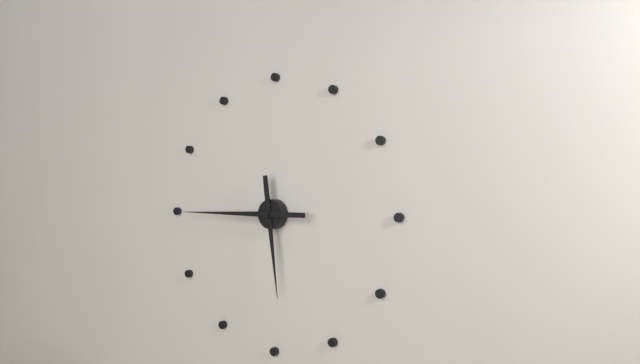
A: 5 h 45 min
